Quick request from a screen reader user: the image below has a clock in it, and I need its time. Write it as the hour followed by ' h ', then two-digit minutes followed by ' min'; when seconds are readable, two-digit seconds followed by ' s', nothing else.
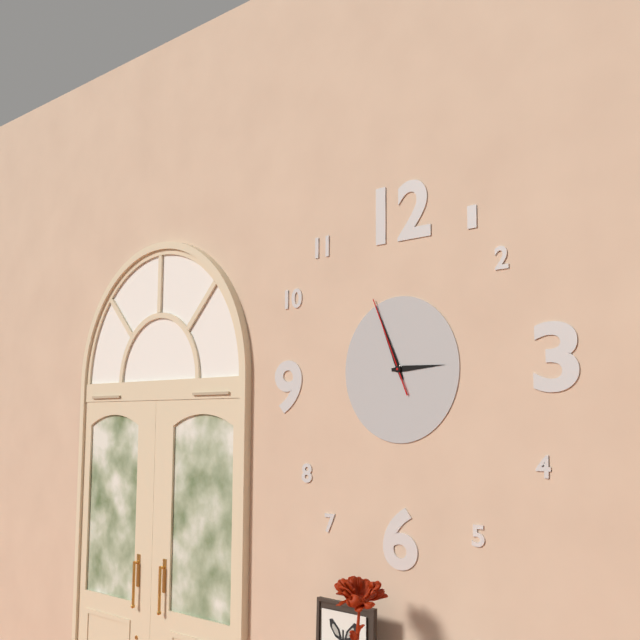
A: 2 h 56 min 56 s
